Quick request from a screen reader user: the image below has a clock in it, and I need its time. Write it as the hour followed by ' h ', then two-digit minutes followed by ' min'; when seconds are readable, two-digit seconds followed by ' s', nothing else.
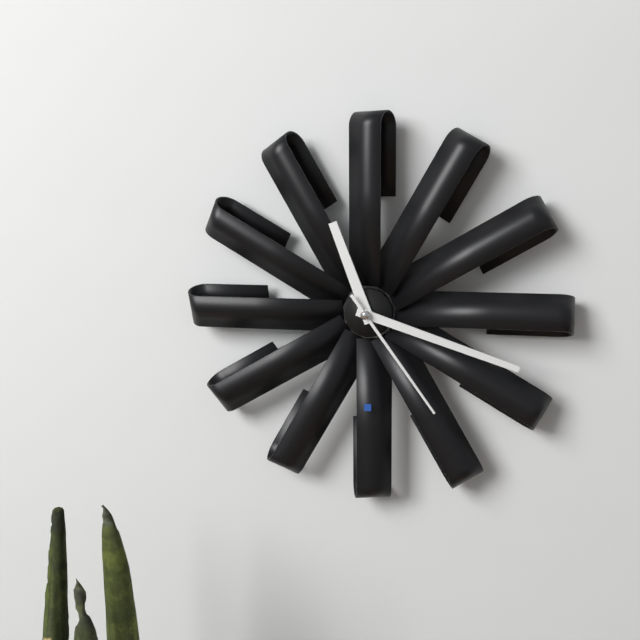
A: 11 h 18 min 24 s
